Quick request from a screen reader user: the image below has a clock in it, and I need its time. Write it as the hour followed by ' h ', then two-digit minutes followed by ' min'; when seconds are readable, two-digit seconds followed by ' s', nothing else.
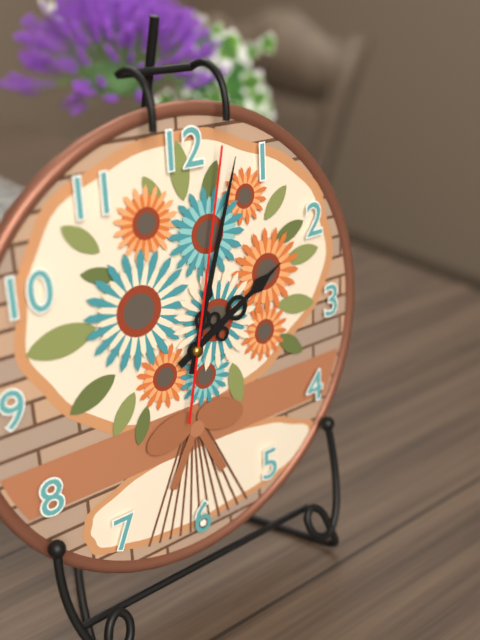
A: 2 h 03 min 02 s
